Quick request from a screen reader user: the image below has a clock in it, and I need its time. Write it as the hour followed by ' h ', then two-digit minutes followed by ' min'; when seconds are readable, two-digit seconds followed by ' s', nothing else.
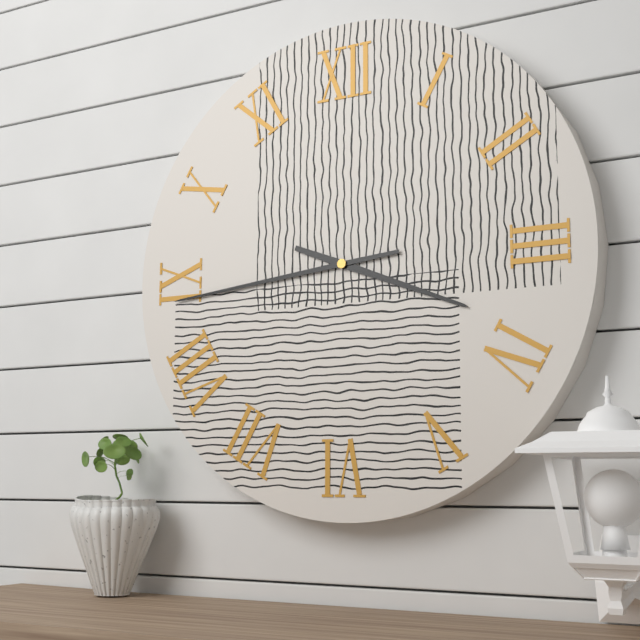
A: 3 h 44 min
